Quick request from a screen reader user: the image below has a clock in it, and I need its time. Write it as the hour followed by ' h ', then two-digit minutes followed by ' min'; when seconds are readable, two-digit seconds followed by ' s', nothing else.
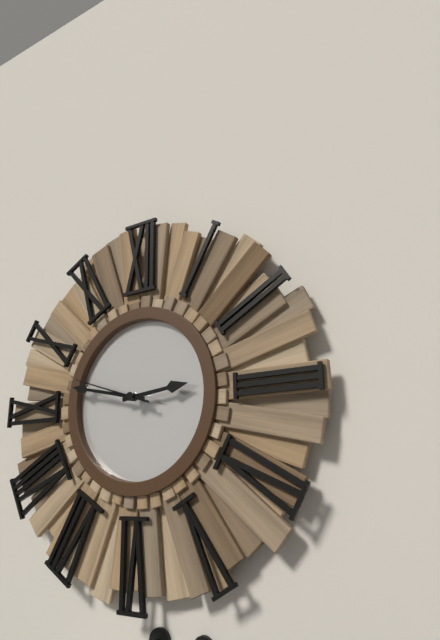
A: 2 h 47 min 48 s
